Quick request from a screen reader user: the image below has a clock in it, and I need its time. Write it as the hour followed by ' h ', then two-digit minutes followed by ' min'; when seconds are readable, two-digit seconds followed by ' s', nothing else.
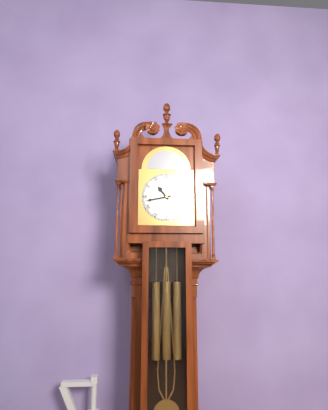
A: 10 h 43 min
